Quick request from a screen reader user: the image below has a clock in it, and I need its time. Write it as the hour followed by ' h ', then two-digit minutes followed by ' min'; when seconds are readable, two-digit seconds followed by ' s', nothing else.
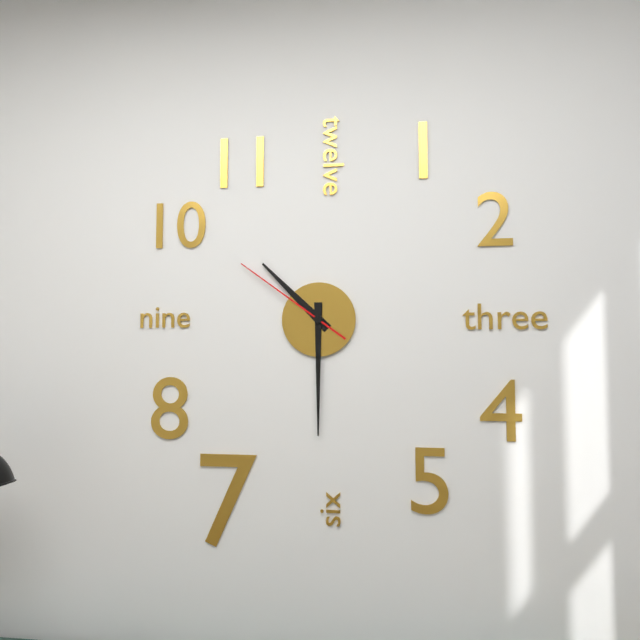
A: 10 h 30 min 51 s
